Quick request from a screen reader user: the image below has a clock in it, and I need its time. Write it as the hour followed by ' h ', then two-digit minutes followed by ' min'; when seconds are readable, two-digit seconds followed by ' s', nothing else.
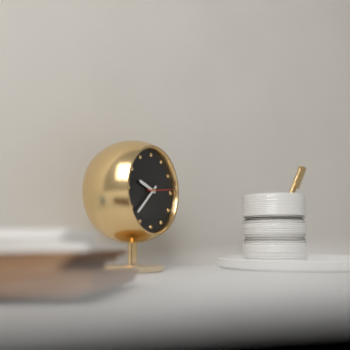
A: 9 h 38 min
